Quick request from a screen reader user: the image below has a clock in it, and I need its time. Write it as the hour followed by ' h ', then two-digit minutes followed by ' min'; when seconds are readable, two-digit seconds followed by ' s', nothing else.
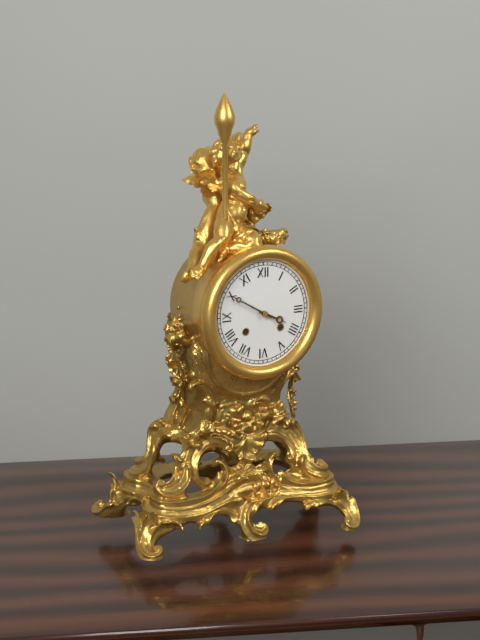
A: 3 h 50 min
